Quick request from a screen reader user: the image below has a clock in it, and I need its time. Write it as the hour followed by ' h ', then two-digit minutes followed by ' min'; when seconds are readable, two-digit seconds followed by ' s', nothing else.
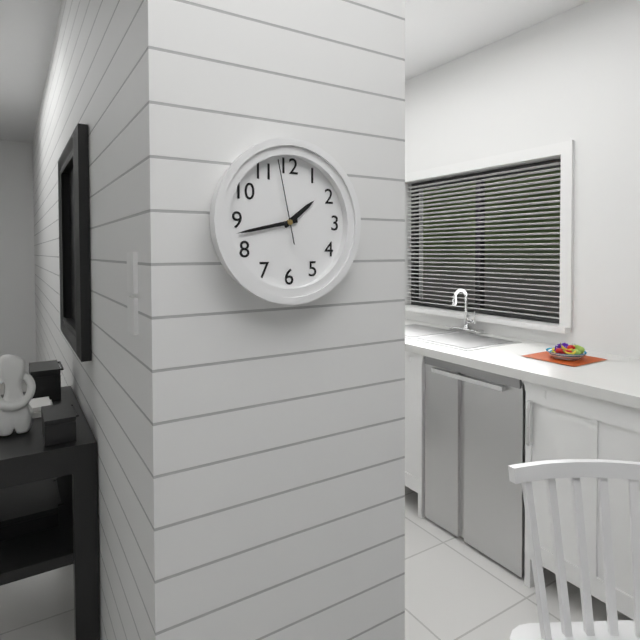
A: 1 h 43 min 58 s
